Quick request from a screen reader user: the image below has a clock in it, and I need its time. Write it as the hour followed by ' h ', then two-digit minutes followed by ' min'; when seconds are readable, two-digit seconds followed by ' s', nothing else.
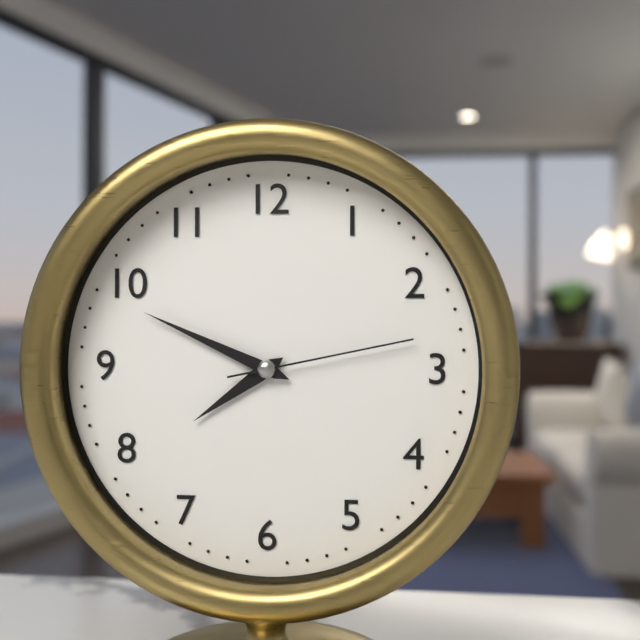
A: 7 h 49 min 13 s
